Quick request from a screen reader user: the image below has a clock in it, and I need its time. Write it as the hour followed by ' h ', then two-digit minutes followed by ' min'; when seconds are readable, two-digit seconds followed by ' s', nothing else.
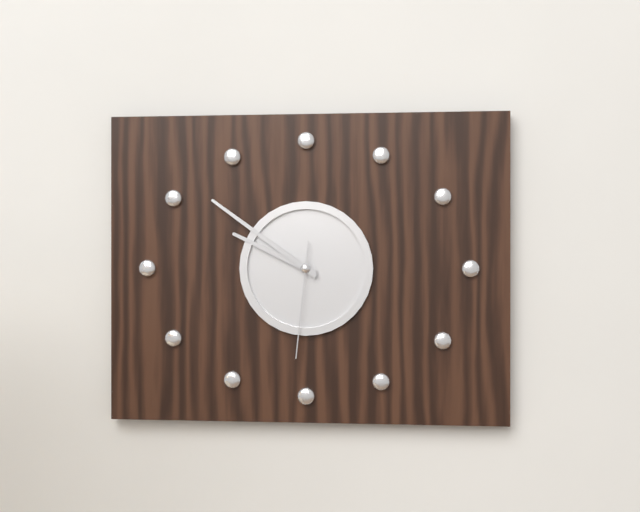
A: 9 h 51 min 31 s
